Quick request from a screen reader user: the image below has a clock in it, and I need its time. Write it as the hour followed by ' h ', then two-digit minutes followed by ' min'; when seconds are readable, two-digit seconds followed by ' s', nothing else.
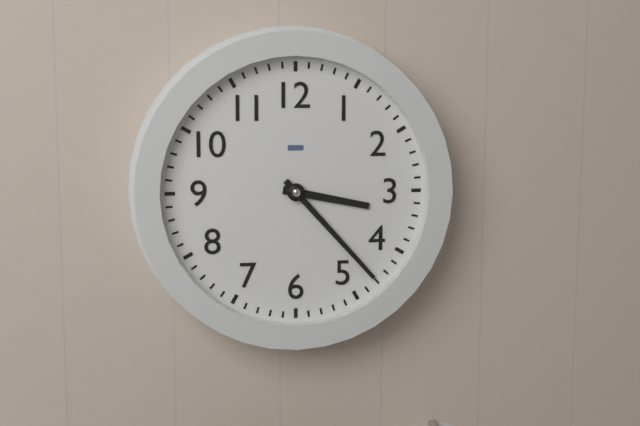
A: 3 h 23 min
